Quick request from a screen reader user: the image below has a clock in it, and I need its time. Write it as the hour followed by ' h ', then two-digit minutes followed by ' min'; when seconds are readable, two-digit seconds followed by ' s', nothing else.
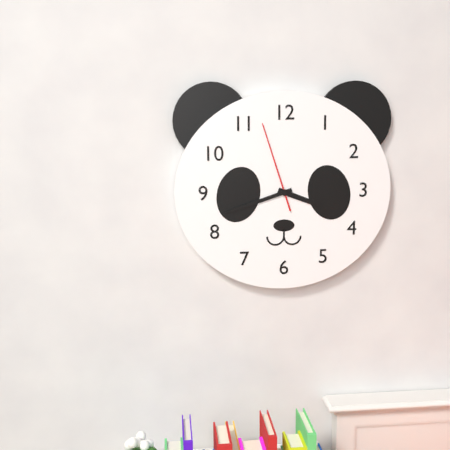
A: 3 h 42 min 57 s
